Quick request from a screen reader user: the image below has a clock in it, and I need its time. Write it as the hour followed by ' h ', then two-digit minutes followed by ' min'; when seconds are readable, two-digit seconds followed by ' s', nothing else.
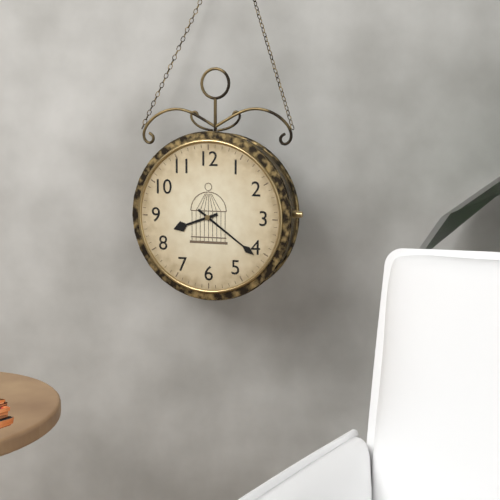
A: 8 h 21 min
